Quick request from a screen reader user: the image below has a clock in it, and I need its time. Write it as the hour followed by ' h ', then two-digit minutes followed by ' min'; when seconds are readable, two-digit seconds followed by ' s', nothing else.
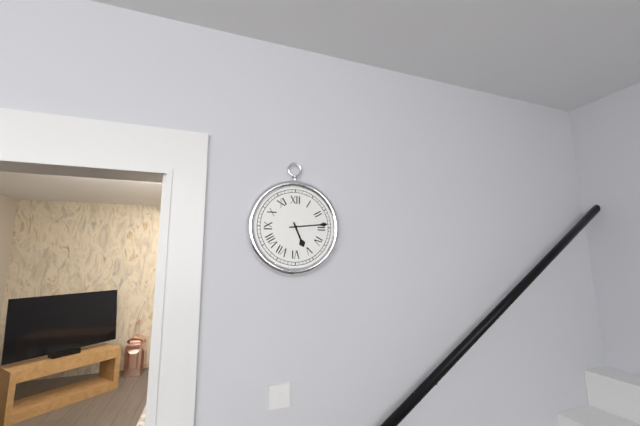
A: 5 h 14 min
